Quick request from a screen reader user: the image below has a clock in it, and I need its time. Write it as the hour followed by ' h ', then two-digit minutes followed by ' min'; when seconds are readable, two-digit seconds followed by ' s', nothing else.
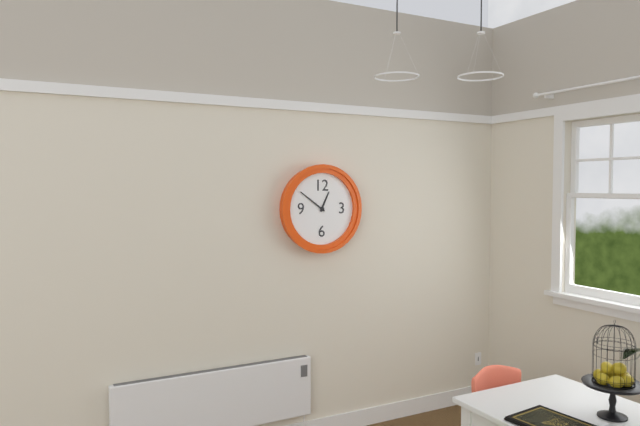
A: 12 h 51 min
